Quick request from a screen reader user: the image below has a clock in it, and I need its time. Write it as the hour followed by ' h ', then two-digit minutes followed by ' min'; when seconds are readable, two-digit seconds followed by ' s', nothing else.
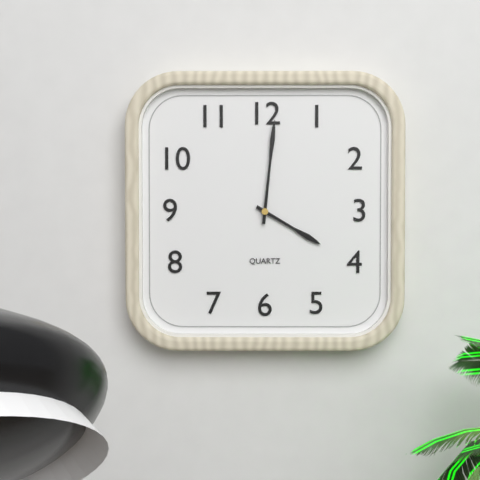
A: 4 h 01 min
